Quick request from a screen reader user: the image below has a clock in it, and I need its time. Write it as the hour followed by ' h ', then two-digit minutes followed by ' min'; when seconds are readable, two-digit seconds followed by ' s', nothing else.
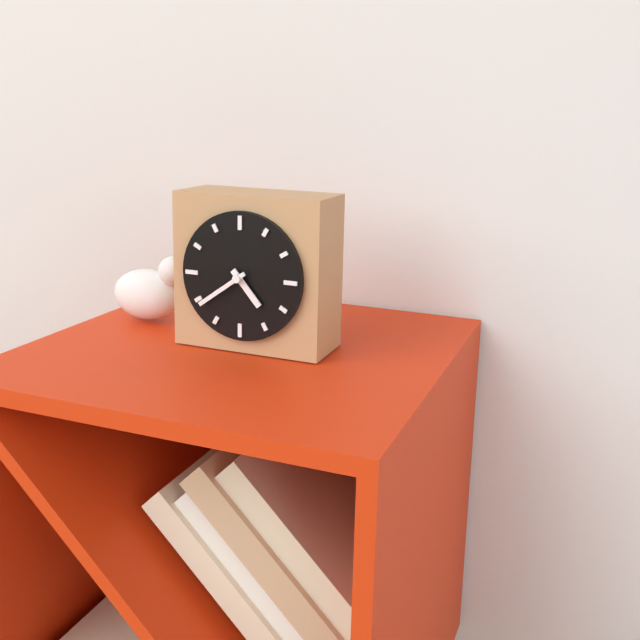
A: 4 h 39 min
